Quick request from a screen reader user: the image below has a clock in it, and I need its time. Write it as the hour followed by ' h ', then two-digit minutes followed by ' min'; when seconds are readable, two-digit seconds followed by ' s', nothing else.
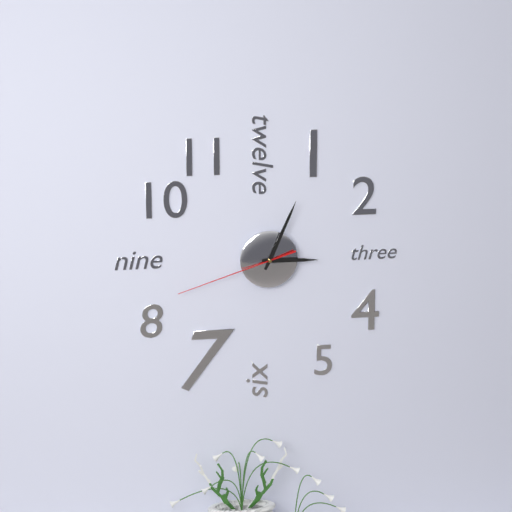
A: 3 h 04 min 42 s
